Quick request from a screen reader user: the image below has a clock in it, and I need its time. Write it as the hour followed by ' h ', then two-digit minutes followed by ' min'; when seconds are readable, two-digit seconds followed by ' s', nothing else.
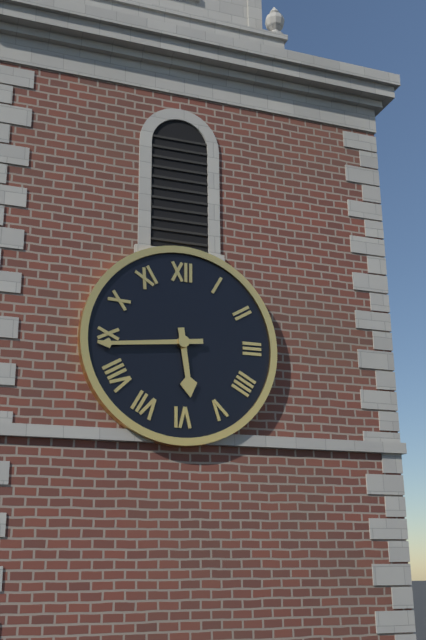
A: 5 h 44 min
